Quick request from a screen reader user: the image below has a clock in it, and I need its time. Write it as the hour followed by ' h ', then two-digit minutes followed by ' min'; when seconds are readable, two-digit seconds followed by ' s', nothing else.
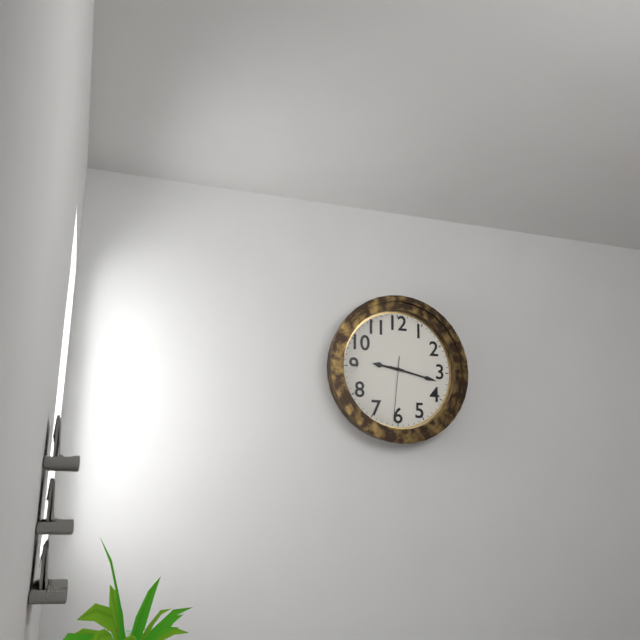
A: 9 h 17 min 31 s
